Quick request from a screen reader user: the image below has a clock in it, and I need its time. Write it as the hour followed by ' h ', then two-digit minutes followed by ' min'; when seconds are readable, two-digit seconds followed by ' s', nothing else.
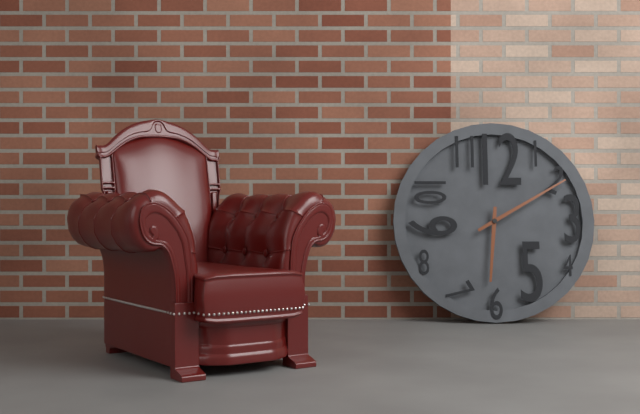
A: 6 h 10 min
